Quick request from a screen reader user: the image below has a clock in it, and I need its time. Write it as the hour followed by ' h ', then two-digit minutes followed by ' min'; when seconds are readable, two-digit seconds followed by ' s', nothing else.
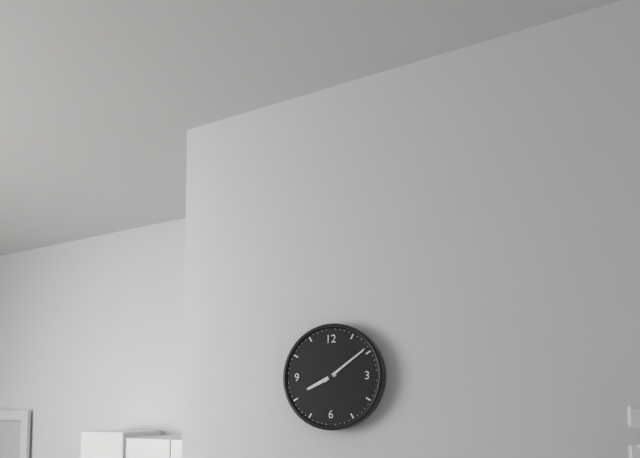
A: 8 h 09 min
